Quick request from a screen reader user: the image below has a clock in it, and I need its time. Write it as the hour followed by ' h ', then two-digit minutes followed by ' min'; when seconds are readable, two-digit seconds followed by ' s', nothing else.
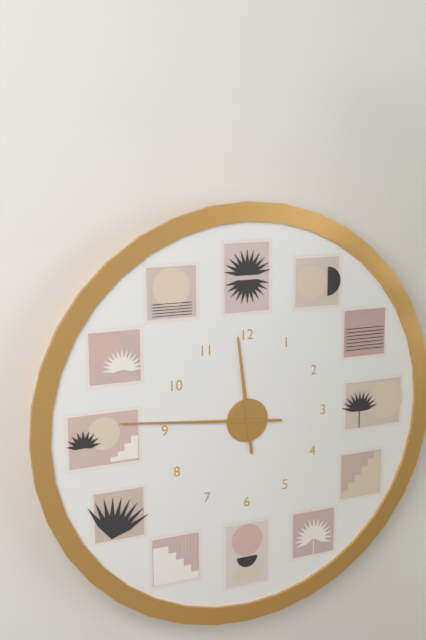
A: 11 h 46 min
